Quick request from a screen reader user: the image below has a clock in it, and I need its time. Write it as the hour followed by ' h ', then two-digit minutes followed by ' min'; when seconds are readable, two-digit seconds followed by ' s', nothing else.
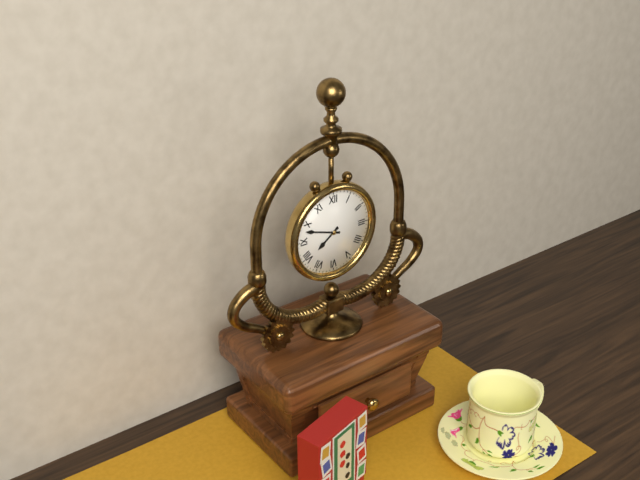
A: 7 h 48 min
